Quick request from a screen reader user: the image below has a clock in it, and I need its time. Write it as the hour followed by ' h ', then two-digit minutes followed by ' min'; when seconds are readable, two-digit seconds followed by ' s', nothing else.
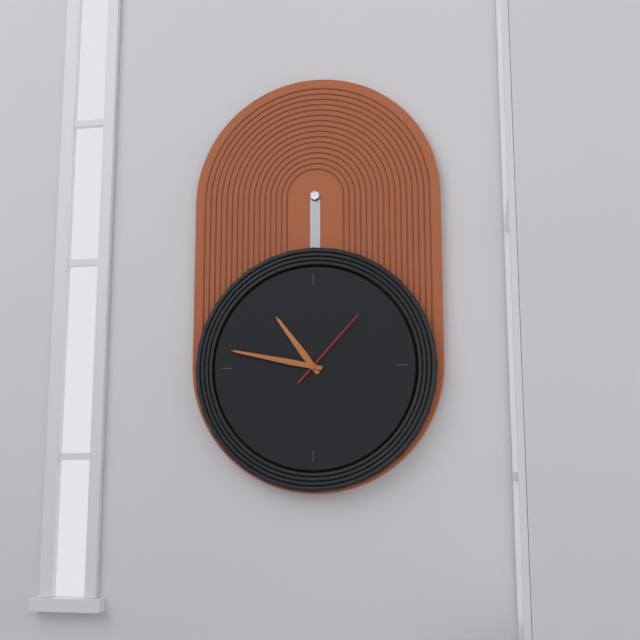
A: 10 h 47 min 07 s
